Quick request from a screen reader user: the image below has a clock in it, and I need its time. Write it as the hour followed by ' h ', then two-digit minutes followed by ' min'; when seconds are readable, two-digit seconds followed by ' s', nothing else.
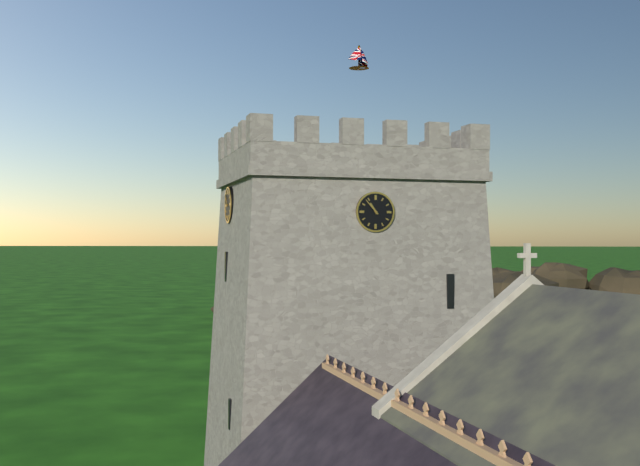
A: 10 h 53 min
